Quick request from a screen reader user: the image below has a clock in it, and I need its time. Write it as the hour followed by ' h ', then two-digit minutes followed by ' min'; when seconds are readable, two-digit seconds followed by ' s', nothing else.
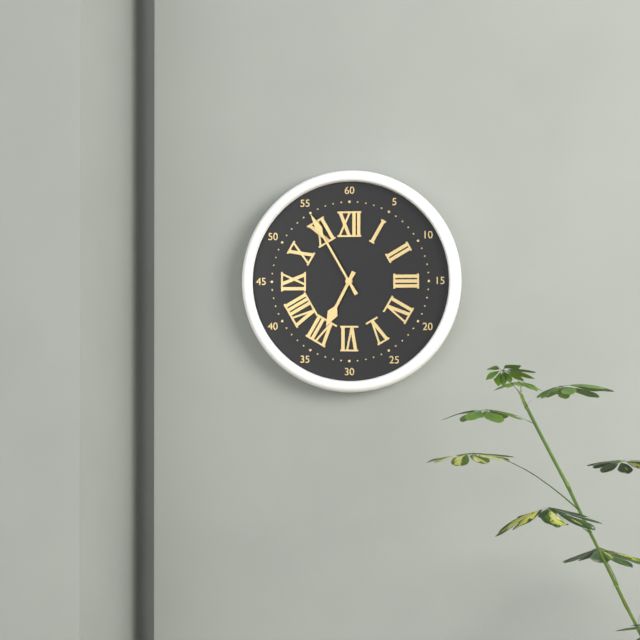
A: 6 h 55 min
